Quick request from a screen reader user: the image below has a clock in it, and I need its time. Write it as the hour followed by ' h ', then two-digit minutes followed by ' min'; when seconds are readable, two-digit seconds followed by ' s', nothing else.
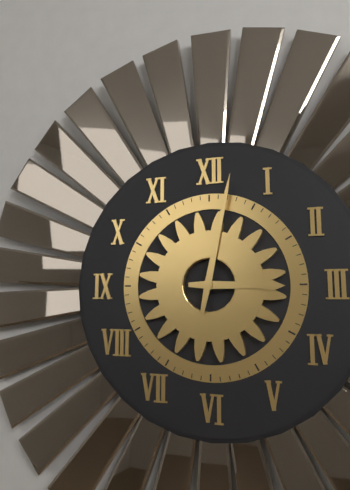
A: 3 h 02 min
